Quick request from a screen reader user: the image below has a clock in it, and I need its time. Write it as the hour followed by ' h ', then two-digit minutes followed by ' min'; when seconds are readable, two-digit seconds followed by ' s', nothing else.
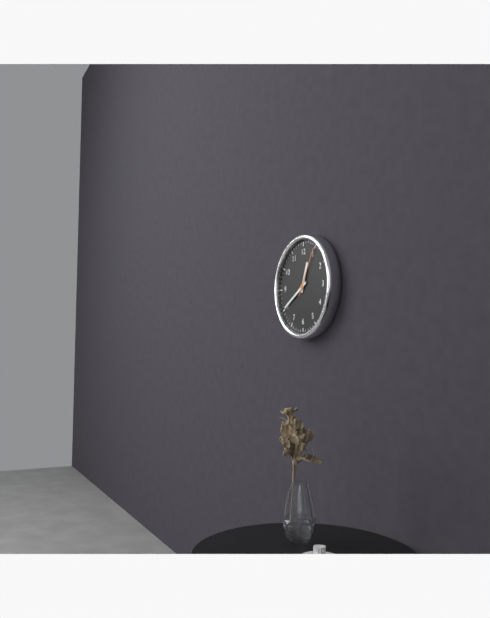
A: 12 h 40 min 05 s
